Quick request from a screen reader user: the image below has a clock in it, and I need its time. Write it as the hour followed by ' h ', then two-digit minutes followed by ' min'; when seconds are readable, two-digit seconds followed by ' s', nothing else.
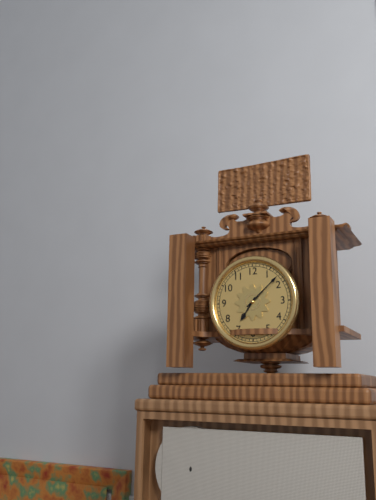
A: 7 h 08 min
